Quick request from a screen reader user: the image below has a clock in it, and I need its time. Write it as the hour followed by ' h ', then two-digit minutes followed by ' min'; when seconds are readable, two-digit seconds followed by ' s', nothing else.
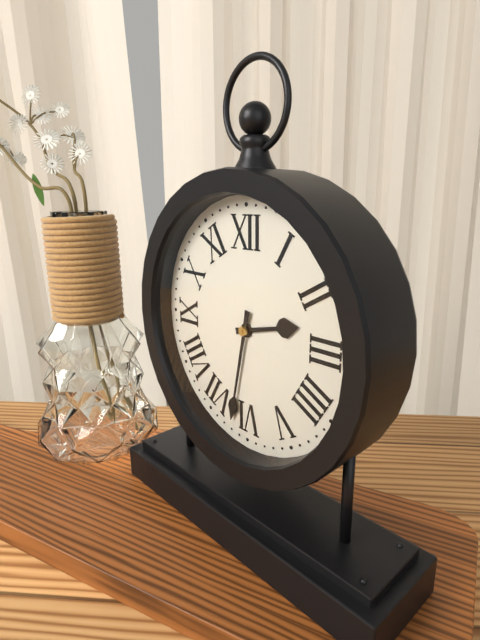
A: 2 h 32 min
